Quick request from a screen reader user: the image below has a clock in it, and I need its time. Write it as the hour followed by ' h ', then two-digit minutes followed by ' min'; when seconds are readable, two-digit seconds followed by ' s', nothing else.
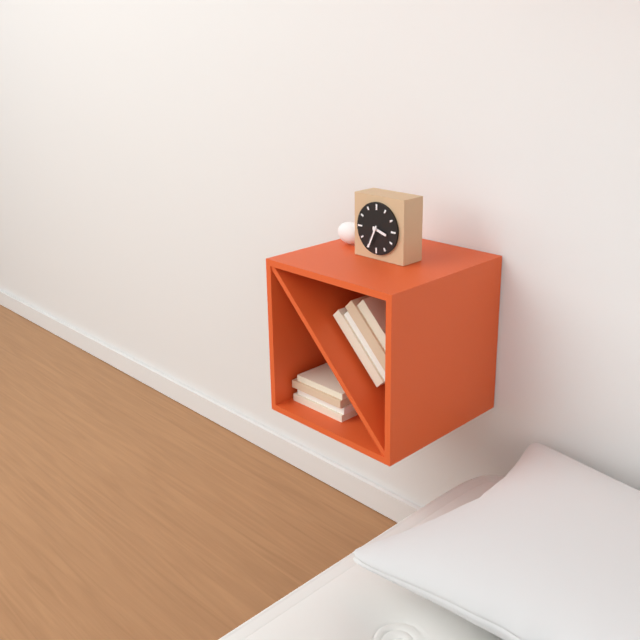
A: 3 h 34 min
